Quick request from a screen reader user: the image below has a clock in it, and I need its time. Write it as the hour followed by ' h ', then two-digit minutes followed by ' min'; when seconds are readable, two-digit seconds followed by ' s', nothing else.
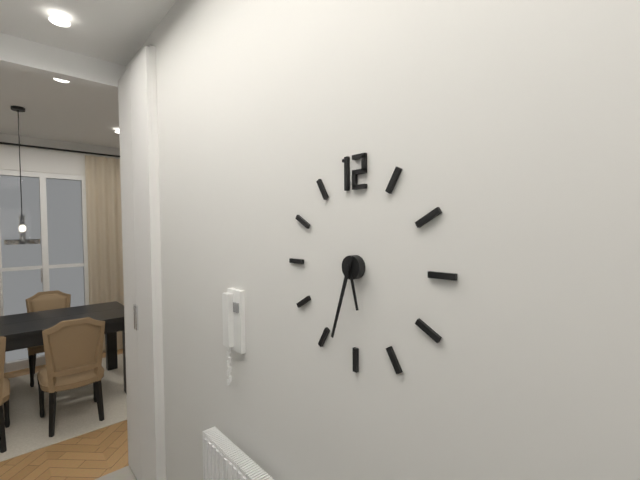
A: 5 h 33 min
